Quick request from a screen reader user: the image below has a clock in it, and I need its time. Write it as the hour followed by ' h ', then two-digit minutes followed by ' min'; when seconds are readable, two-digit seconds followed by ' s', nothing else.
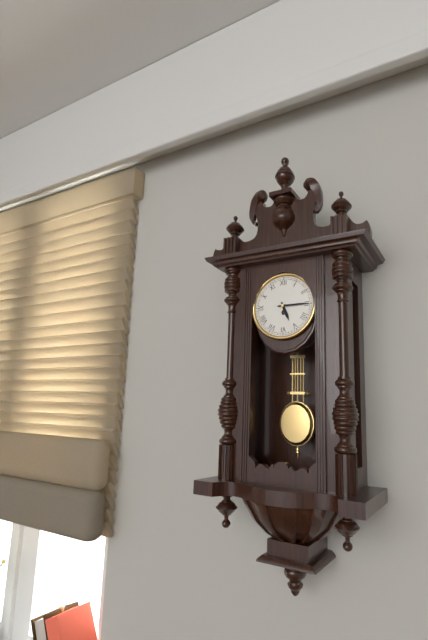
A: 5 h 15 min
